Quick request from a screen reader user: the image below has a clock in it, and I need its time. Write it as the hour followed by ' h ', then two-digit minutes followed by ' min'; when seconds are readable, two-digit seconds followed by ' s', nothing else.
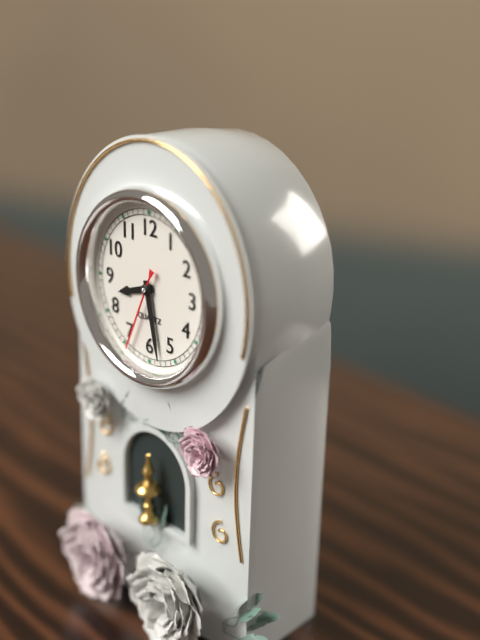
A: 8 h 28 min 34 s
